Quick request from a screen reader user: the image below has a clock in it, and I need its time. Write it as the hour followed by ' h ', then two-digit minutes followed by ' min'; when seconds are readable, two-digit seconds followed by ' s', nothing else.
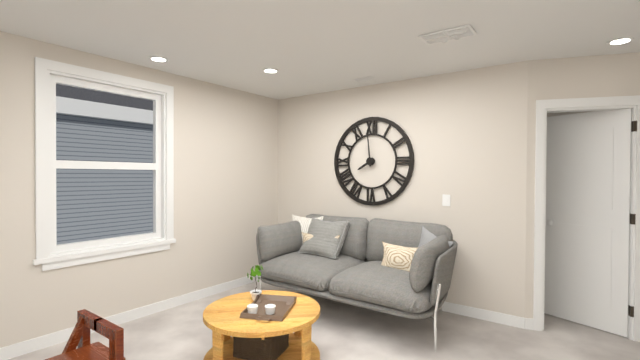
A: 7 h 59 min
